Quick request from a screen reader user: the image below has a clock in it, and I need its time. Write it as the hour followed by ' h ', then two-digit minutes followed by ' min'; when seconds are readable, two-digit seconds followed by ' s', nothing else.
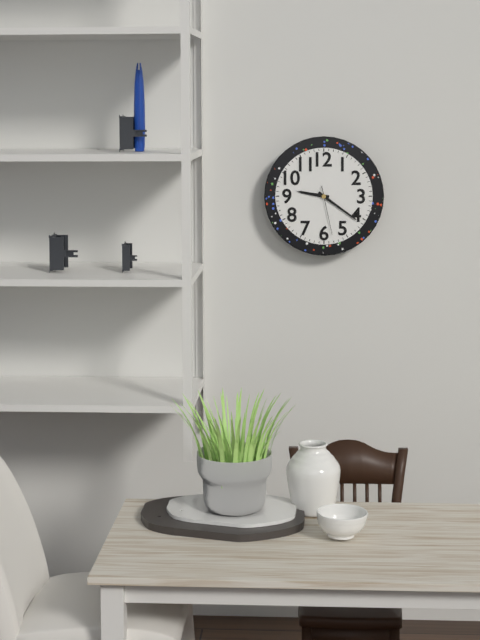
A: 9 h 21 min
